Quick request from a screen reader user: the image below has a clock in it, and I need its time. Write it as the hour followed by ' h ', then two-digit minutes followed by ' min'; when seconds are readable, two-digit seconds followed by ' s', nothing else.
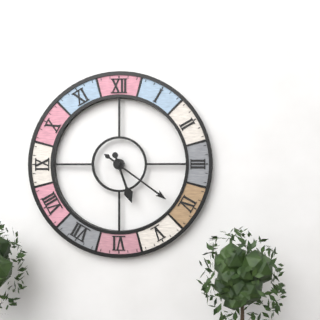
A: 5 h 21 min
